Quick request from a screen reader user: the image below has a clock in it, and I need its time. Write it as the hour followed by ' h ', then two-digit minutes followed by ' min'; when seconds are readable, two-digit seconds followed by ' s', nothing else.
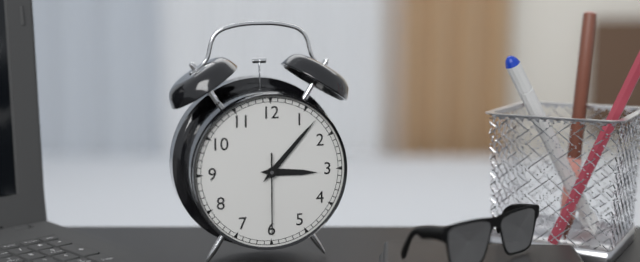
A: 3 h 07 min 30 s
